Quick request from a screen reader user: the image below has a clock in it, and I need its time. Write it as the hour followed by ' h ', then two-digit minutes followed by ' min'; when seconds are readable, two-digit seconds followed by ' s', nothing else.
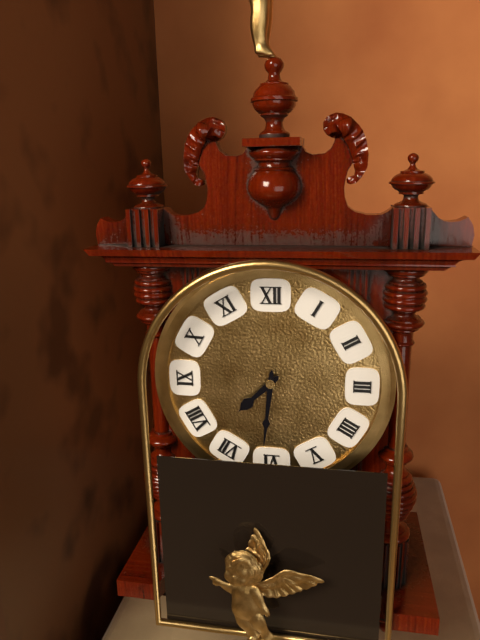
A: 7 h 31 min
